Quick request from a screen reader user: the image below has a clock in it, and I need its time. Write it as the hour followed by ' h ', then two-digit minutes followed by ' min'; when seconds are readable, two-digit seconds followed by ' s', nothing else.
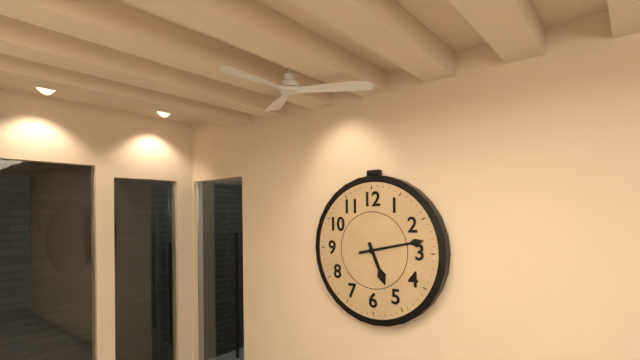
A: 5 h 13 min
